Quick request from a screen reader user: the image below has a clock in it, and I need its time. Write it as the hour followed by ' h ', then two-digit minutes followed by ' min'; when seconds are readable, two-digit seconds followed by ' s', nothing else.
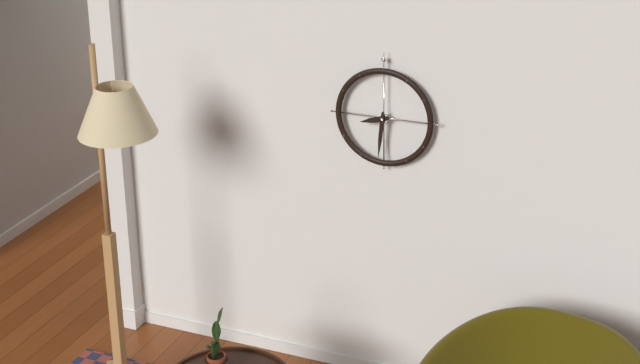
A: 8 h 31 min
